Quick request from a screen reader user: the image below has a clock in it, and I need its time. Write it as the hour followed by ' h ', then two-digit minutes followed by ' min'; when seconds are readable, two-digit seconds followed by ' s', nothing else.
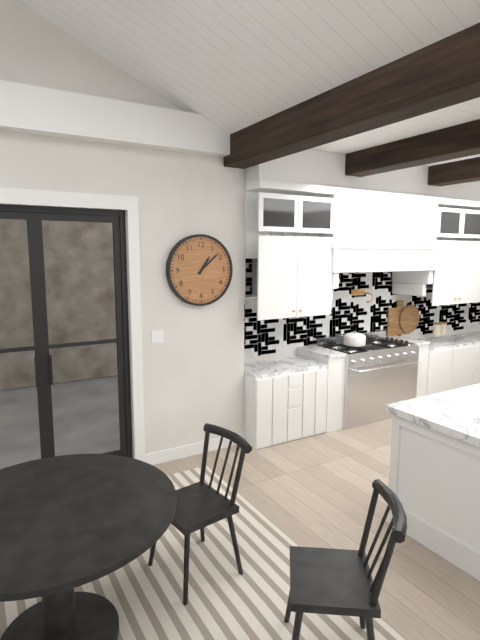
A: 1 h 08 min
